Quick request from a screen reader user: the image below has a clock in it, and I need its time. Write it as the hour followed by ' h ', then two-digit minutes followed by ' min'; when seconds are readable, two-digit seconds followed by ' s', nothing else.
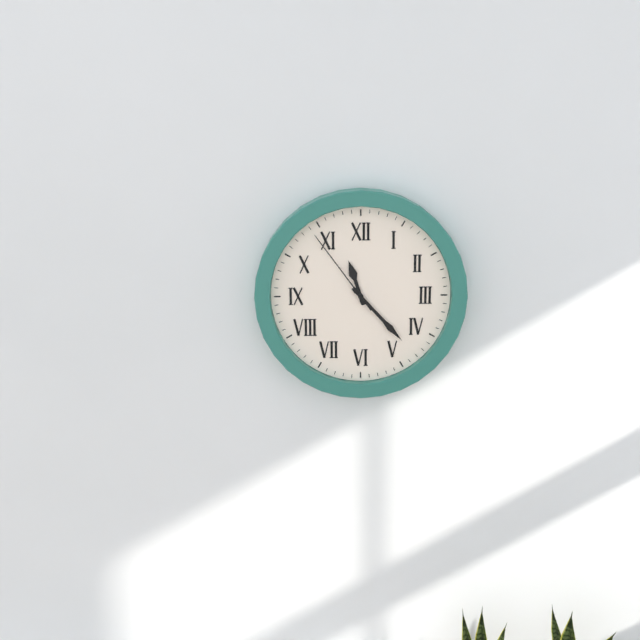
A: 11 h 23 min 54 s
